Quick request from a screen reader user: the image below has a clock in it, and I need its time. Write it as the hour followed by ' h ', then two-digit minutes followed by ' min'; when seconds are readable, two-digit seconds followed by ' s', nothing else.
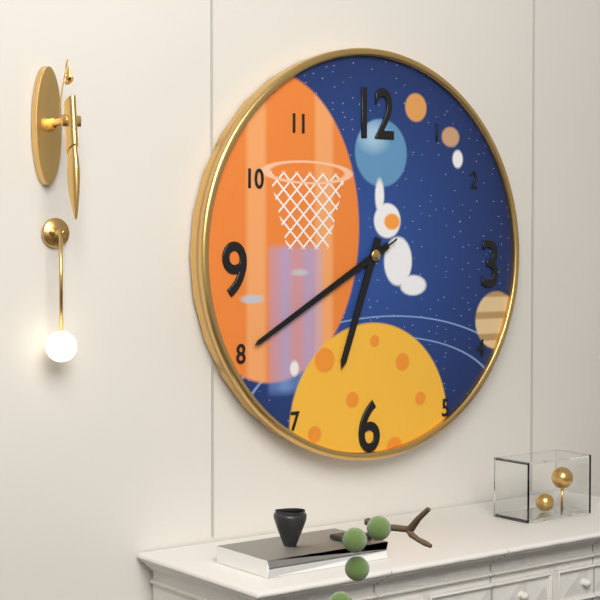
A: 6 h 40 min 40 s
